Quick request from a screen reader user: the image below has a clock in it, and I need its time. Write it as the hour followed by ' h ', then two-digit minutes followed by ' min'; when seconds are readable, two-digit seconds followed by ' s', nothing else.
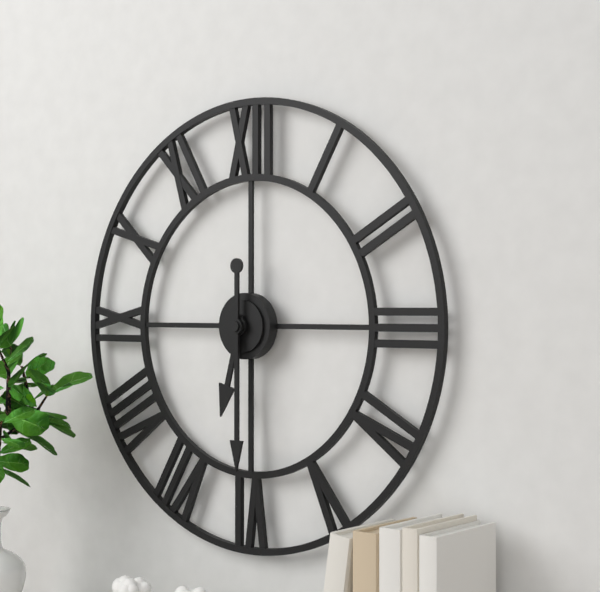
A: 6 h 30 min
